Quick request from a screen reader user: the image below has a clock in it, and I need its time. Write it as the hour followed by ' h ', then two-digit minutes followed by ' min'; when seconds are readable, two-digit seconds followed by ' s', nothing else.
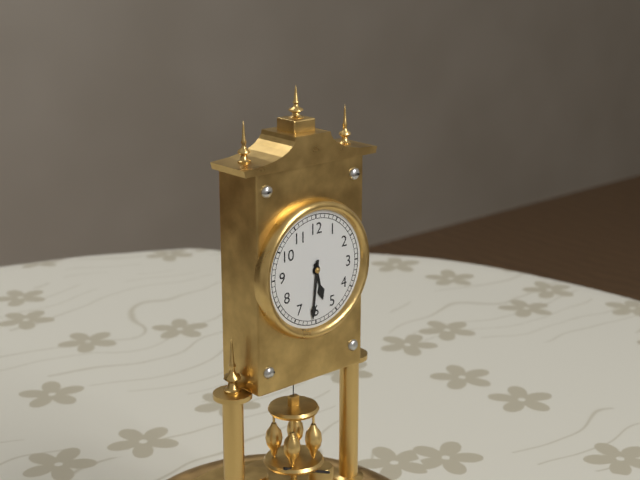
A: 5 h 31 min
